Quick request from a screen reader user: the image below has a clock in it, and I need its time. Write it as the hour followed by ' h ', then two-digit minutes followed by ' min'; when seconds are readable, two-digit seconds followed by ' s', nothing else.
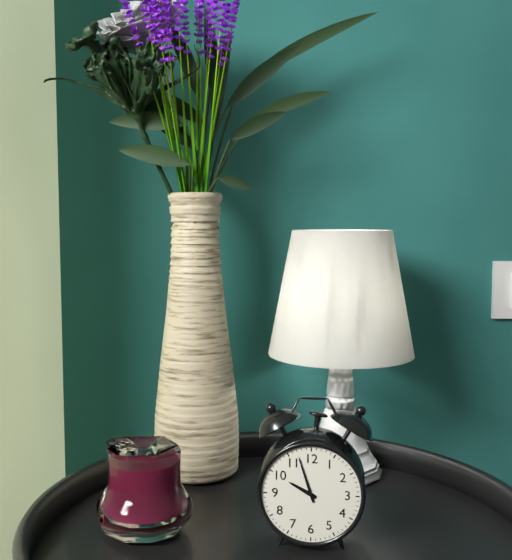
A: 9 h 57 min
